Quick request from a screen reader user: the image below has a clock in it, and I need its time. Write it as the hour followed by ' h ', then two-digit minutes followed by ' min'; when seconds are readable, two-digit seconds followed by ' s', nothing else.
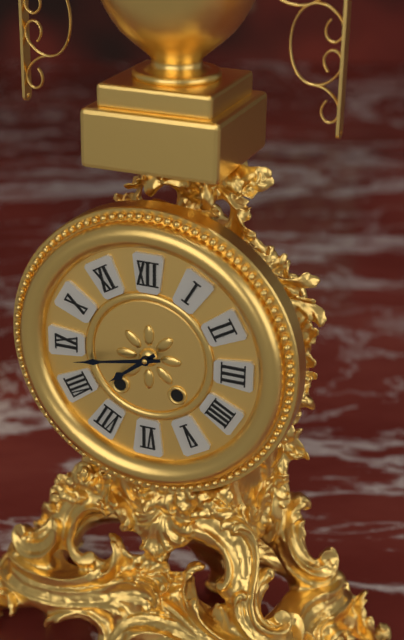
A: 7 h 43 min
